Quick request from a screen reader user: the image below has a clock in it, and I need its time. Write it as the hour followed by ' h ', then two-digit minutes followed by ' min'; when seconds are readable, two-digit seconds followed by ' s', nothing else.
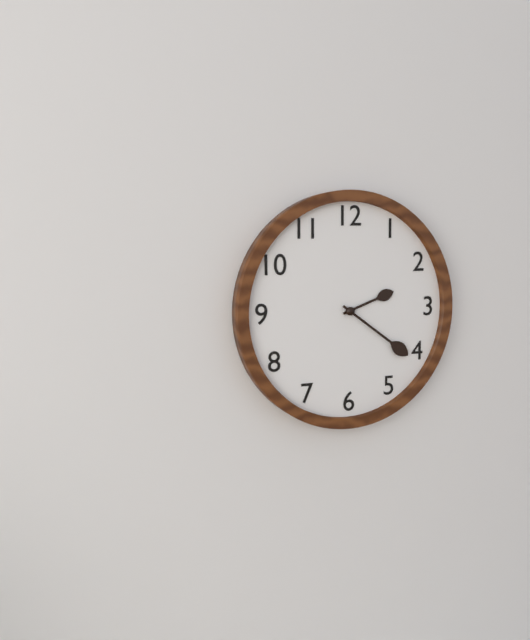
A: 2 h 21 min
